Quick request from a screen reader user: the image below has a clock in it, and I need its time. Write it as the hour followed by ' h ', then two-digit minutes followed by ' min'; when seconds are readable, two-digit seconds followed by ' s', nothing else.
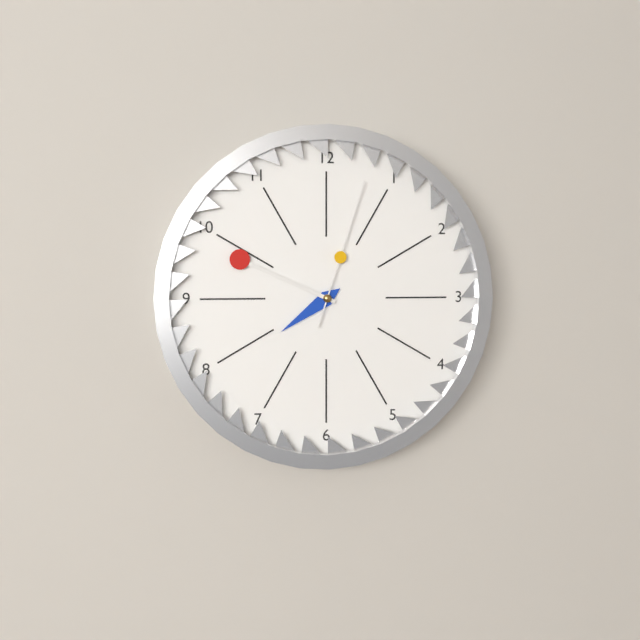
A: 7 h 49 min 03 s
